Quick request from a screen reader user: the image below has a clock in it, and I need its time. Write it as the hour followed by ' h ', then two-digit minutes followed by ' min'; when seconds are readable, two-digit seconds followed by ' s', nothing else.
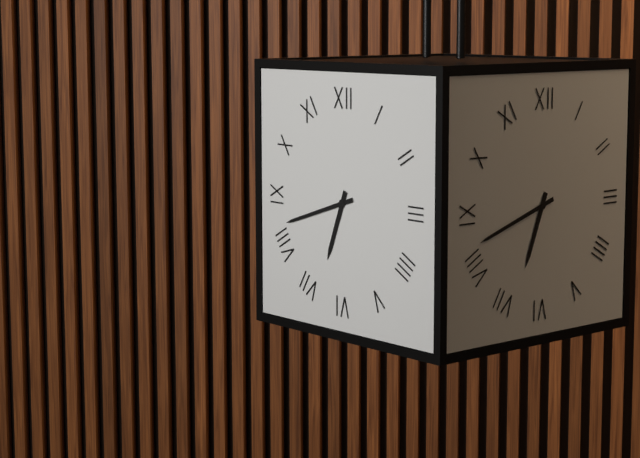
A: 6 h 42 min
